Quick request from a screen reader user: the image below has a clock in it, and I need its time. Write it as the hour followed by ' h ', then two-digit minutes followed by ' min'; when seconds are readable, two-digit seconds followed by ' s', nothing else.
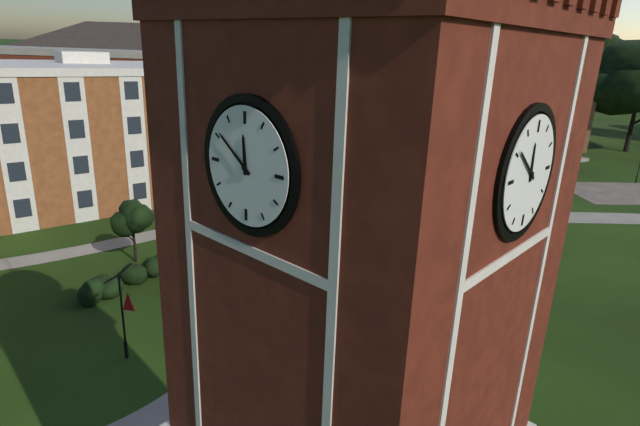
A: 11 h 51 min
